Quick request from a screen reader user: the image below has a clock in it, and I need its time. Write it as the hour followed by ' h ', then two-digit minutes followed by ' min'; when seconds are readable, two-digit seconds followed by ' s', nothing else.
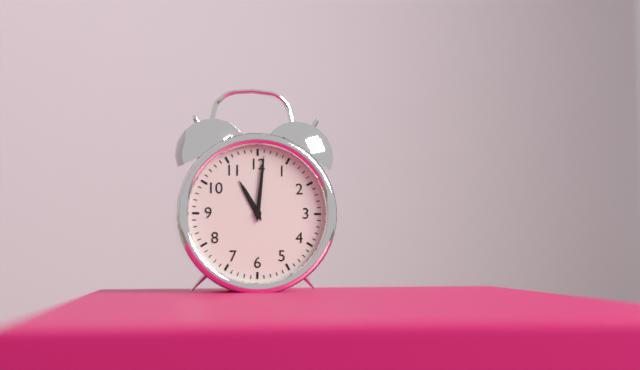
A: 11 h 01 min
